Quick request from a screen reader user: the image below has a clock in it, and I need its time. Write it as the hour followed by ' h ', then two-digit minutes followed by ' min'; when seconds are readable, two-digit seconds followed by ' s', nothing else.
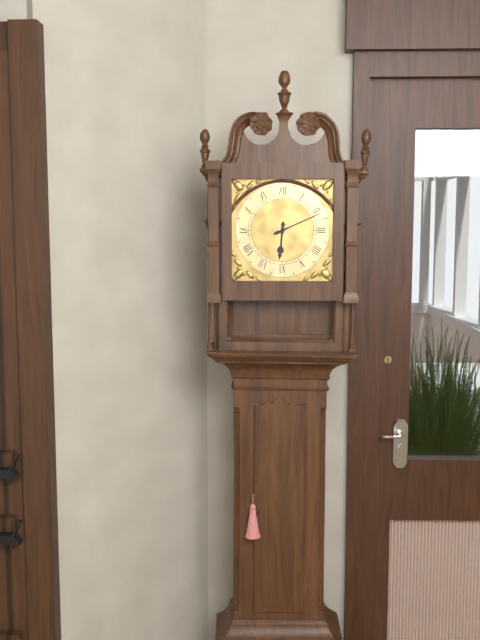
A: 6 h 11 min
